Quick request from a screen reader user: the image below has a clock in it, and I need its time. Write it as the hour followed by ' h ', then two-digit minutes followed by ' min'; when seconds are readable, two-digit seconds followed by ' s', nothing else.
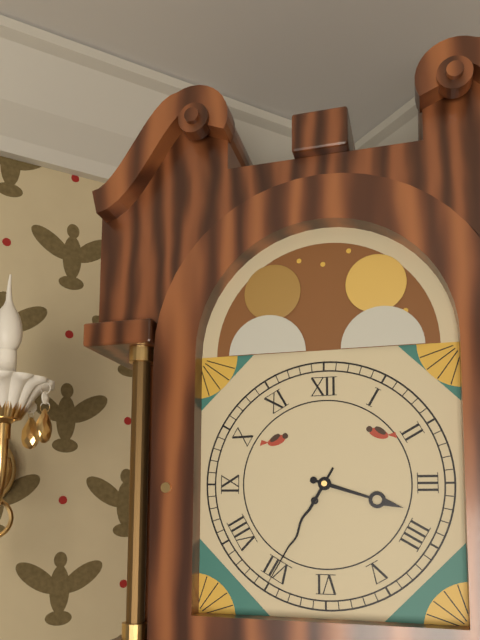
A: 3 h 35 min
